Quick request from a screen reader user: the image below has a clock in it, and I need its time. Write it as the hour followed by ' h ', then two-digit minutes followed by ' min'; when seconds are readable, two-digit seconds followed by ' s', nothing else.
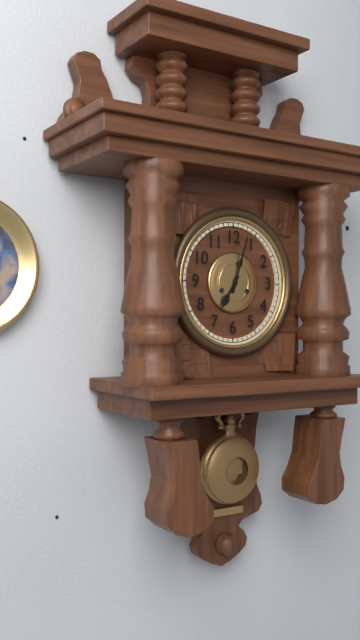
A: 7 h 03 min
